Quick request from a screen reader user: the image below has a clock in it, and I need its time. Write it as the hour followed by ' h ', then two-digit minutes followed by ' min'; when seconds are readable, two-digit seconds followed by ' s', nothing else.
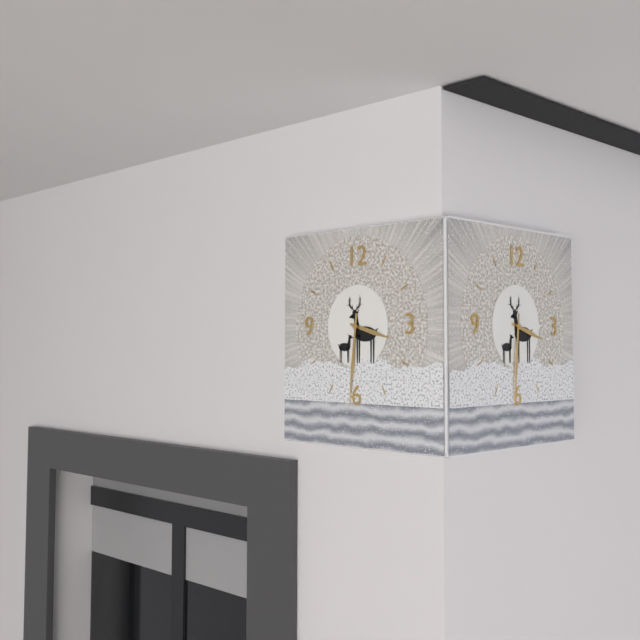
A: 3 h 31 min
